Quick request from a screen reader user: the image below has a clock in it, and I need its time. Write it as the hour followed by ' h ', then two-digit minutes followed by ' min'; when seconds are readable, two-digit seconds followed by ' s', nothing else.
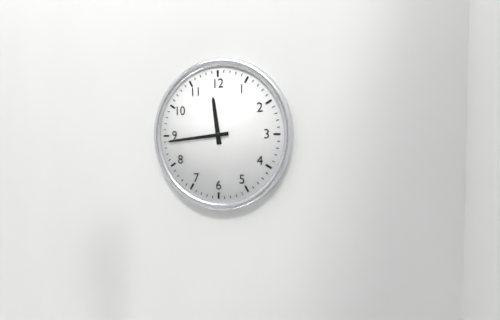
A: 11 h 44 min
